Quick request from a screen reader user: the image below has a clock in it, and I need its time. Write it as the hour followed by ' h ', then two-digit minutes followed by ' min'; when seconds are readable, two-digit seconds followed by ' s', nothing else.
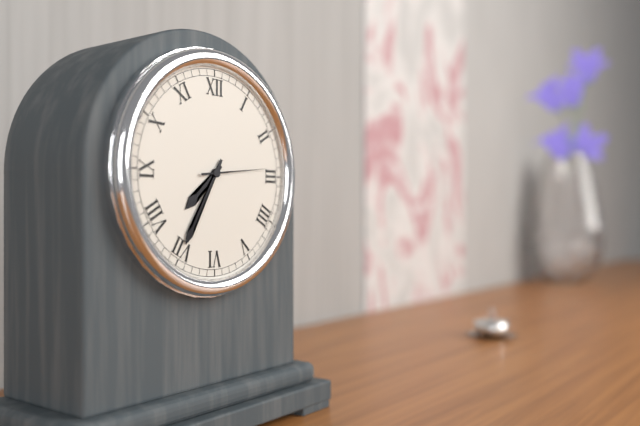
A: 7 h 35 min 14 s
